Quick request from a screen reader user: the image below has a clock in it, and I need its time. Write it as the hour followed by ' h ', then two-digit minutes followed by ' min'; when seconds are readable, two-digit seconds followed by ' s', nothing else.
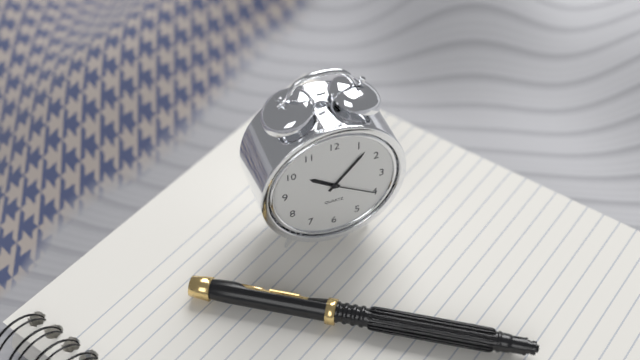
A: 10 h 07 min 20 s
